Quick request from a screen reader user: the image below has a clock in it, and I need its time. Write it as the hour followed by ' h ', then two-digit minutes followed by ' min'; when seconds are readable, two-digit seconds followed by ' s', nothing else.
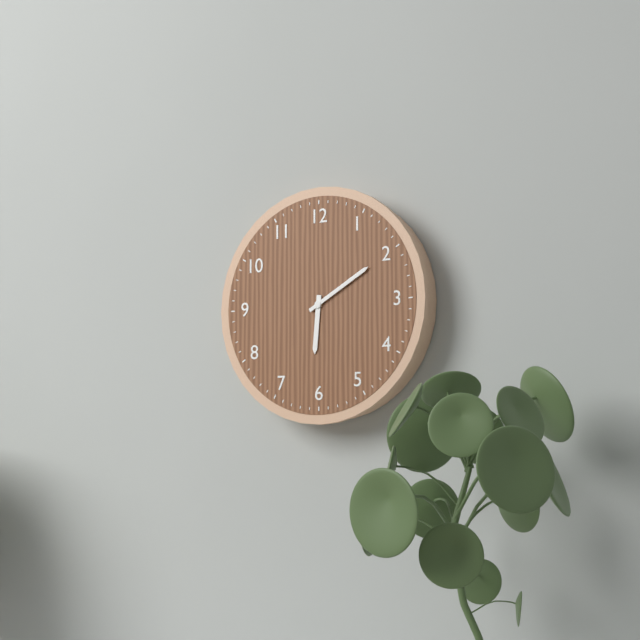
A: 6 h 10 min
